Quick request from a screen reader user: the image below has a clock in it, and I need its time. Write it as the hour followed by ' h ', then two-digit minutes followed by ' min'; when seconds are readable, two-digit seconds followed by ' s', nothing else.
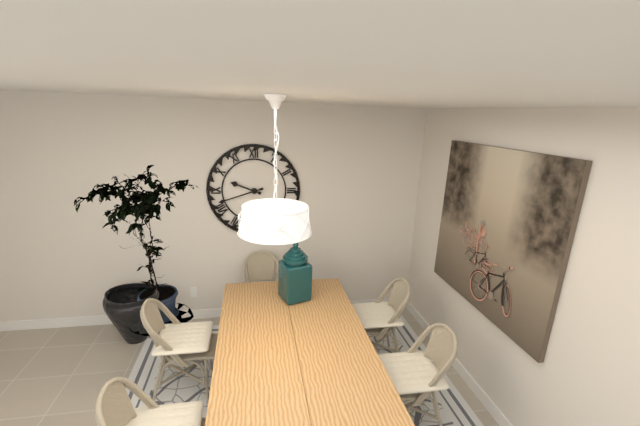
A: 9 h 42 min
